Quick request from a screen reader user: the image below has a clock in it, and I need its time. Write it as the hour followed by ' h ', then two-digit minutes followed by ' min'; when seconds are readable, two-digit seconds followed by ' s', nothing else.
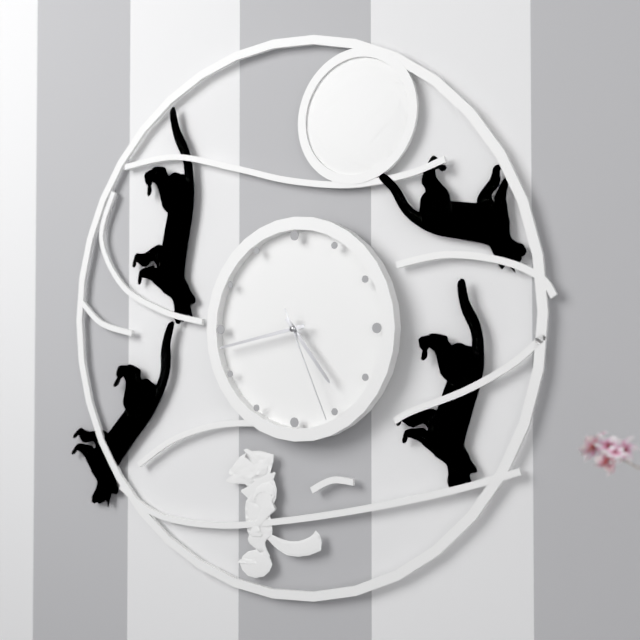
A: 4 h 43 min 26 s
